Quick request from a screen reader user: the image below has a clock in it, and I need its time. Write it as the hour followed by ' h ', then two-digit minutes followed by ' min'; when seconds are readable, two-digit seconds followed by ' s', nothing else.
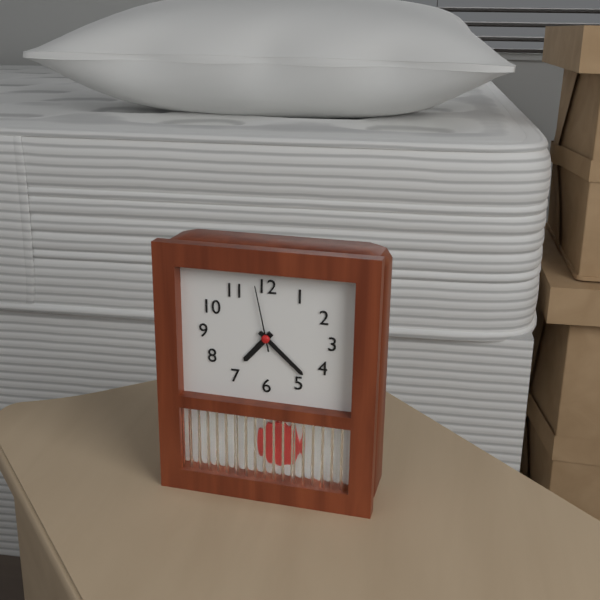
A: 7 h 22 min 58 s
